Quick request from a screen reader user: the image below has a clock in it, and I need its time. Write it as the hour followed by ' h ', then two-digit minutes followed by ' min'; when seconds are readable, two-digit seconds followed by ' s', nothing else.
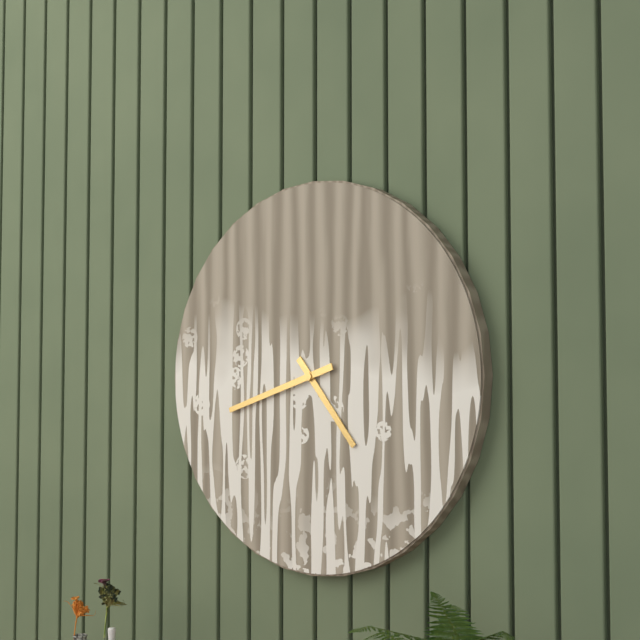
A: 4 h 42 min
